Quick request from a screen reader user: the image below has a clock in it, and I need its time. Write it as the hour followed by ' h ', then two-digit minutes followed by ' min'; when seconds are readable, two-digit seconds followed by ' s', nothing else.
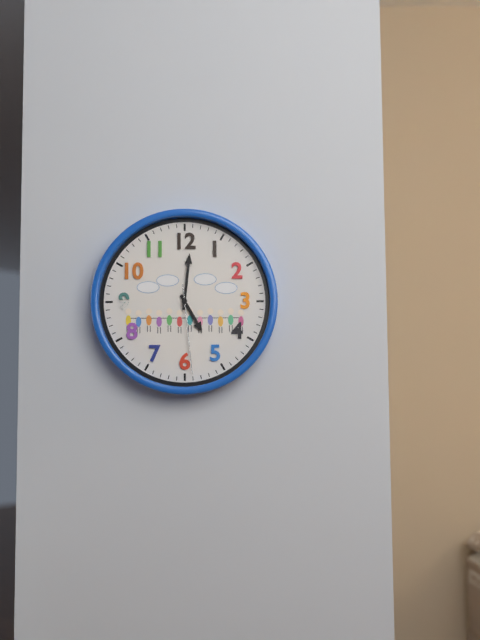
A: 5 h 01 min 29 s
